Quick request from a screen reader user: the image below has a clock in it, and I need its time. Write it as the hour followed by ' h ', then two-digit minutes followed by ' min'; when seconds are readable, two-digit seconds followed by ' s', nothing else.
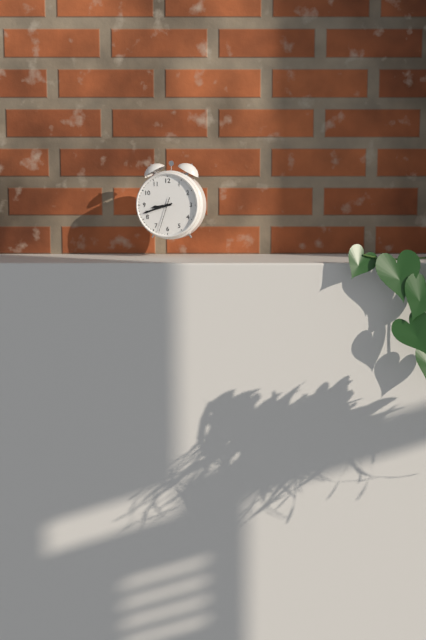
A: 8 h 42 min
